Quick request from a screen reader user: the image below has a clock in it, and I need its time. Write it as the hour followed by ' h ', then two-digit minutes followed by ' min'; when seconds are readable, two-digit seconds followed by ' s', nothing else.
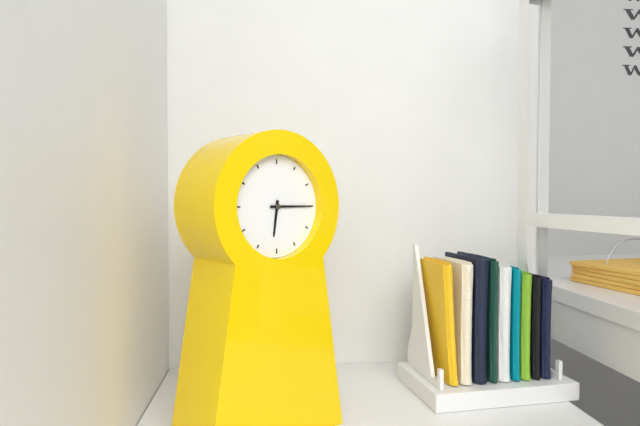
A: 6 h 15 min
